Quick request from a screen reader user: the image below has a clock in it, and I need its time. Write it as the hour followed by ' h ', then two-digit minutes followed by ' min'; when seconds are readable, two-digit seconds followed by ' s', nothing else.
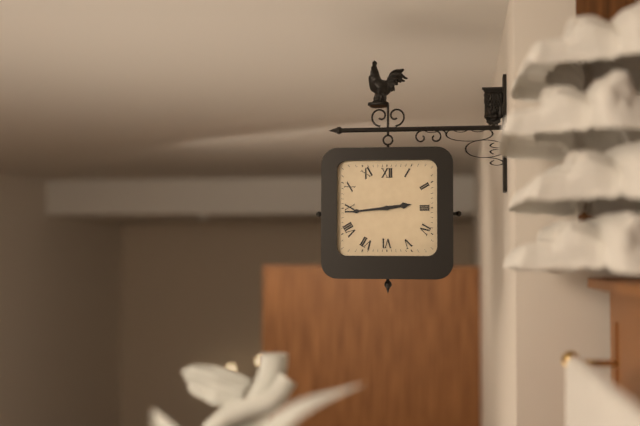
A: 2 h 44 min
